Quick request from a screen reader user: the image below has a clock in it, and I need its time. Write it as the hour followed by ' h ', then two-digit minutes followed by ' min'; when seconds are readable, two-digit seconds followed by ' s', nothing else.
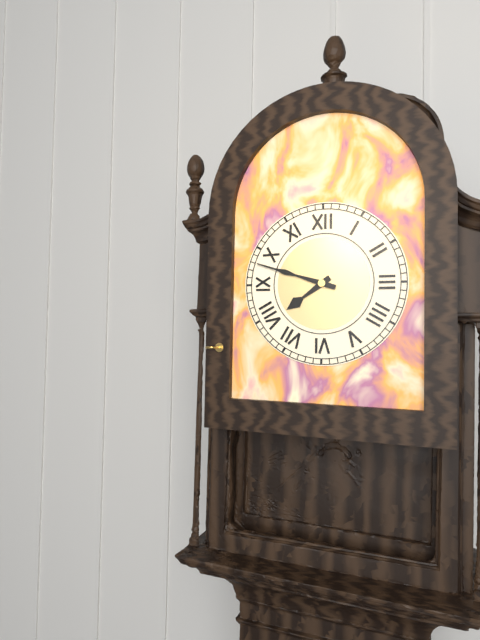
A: 7 h 48 min
